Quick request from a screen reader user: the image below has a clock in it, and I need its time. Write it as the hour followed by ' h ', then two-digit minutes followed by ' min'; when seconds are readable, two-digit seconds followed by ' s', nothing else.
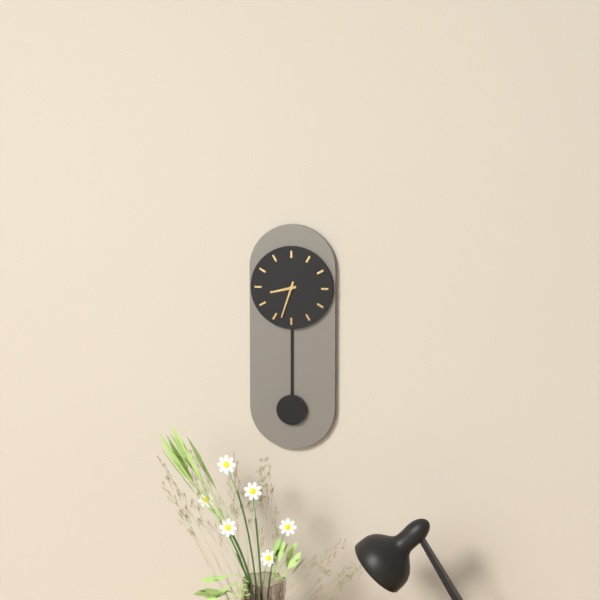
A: 8 h 33 min
